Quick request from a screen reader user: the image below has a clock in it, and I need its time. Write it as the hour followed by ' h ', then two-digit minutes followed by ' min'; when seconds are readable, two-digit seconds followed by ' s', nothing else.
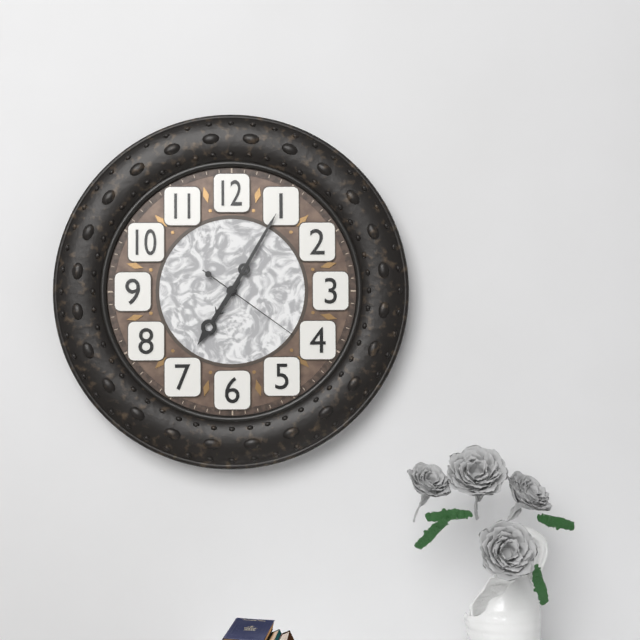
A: 7 h 05 min 21 s
